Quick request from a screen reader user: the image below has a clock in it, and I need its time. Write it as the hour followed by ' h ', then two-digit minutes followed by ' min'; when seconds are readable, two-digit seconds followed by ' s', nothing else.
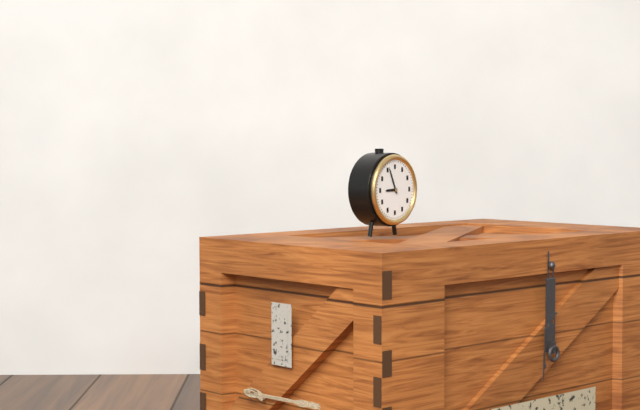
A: 8 h 56 min
